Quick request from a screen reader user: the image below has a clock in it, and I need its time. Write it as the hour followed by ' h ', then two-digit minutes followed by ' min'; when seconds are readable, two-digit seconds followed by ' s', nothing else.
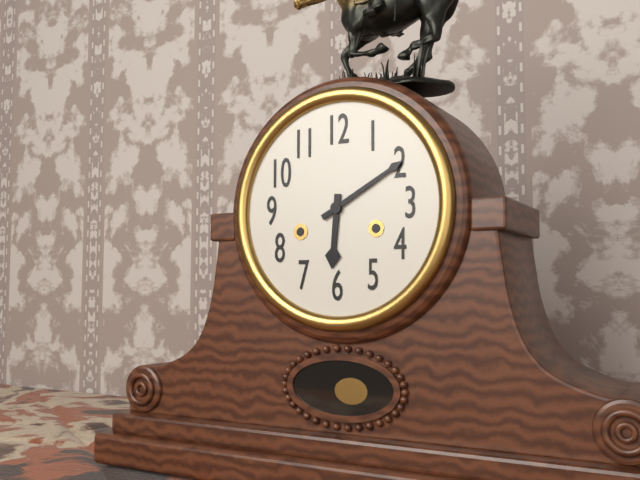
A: 6 h 10 min
